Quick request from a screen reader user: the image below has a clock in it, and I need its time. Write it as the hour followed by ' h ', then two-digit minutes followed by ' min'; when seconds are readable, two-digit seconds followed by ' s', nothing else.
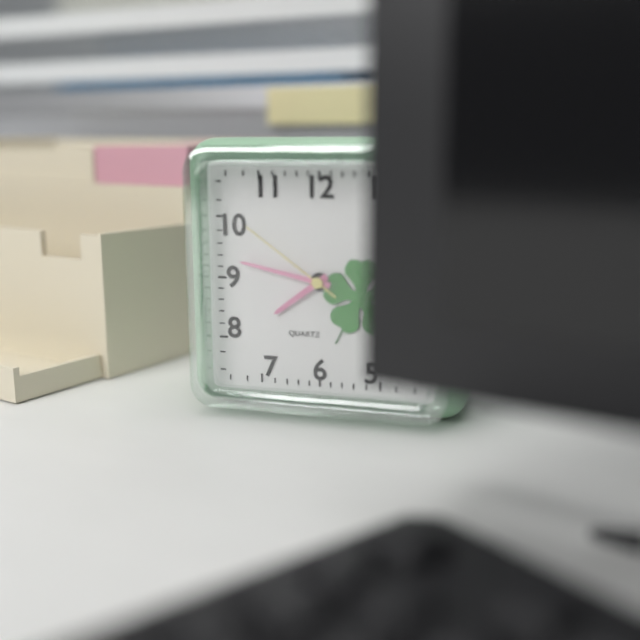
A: 7 h 47 min 51 s
